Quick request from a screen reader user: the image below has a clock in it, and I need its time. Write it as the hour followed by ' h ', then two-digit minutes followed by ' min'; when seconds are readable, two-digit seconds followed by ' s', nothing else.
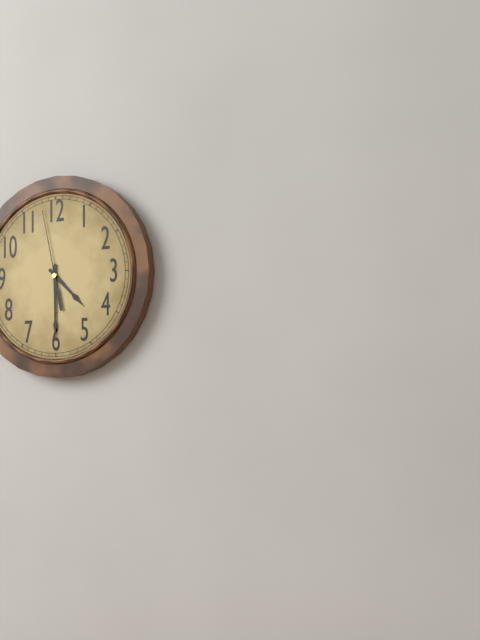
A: 4 h 30 min 58 s
